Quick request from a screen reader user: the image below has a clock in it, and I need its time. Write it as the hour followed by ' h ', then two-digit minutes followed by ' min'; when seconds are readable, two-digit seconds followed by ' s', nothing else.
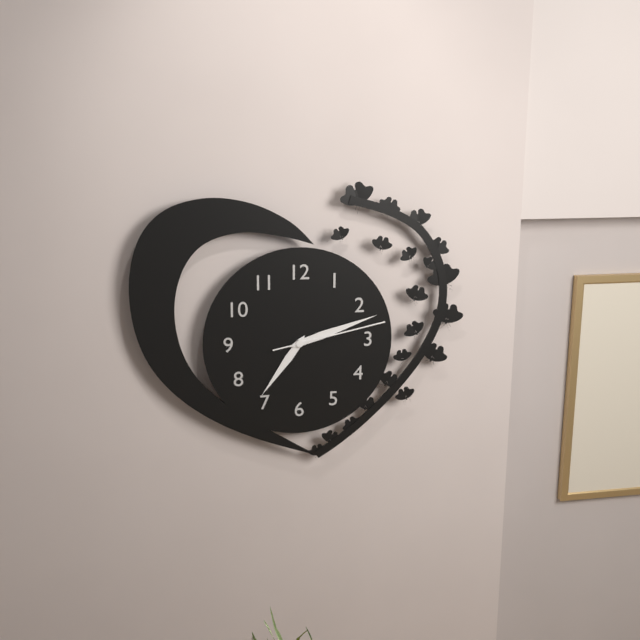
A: 7 h 12 min 13 s
